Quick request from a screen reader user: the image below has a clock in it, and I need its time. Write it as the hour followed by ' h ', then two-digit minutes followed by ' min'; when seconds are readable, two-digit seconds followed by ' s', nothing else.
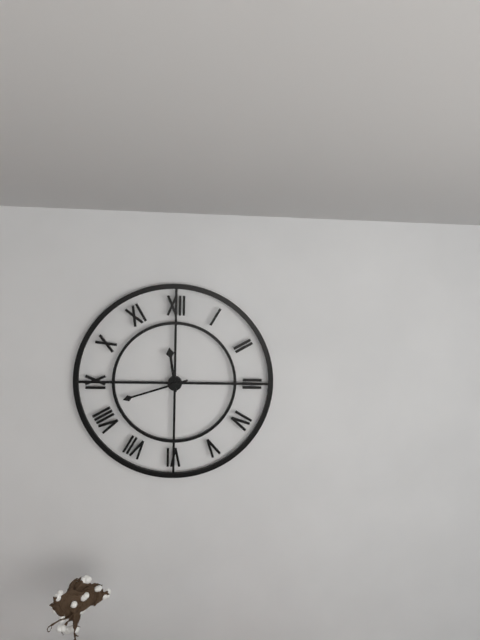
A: 11 h 42 min
